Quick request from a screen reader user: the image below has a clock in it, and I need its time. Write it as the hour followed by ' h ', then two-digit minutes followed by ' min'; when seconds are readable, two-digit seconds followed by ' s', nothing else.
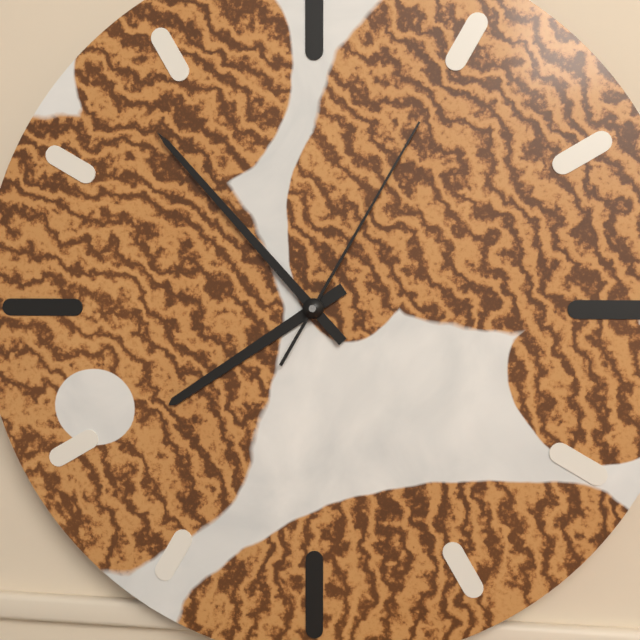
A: 7 h 53 min 05 s
